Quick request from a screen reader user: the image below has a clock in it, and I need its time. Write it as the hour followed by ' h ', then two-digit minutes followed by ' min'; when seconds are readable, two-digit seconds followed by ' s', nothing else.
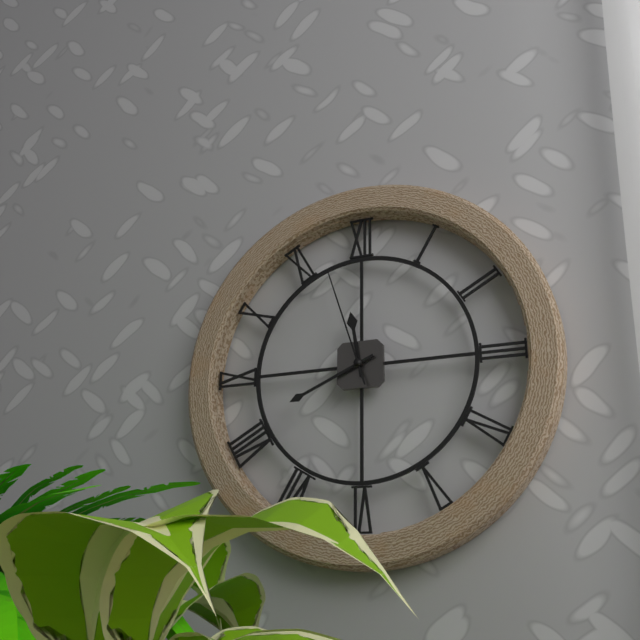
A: 11 h 41 min 57 s
